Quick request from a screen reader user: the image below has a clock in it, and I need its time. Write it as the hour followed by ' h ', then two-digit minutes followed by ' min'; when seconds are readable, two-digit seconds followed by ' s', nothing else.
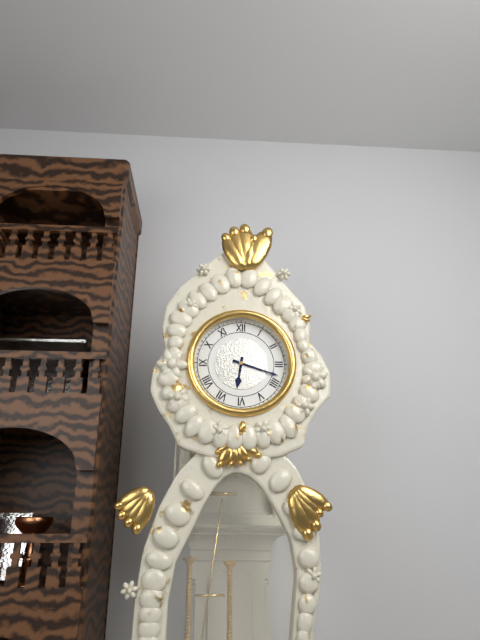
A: 6 h 18 min
